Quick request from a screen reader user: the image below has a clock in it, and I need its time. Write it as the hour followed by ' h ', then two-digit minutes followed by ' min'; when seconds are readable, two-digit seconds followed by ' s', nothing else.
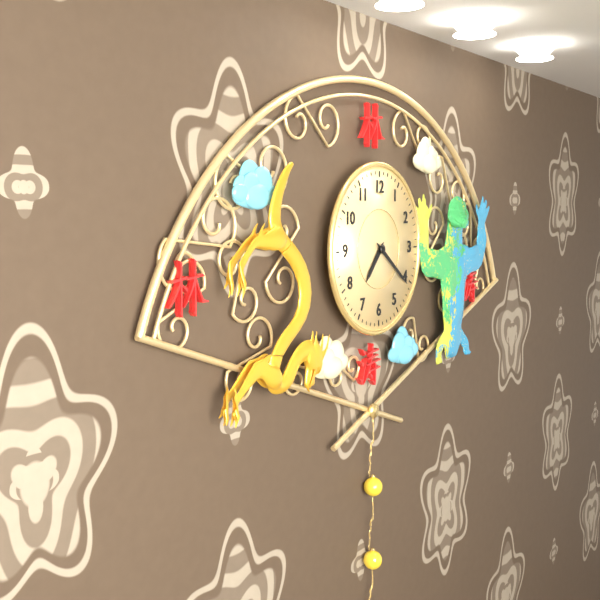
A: 7 h 21 min
